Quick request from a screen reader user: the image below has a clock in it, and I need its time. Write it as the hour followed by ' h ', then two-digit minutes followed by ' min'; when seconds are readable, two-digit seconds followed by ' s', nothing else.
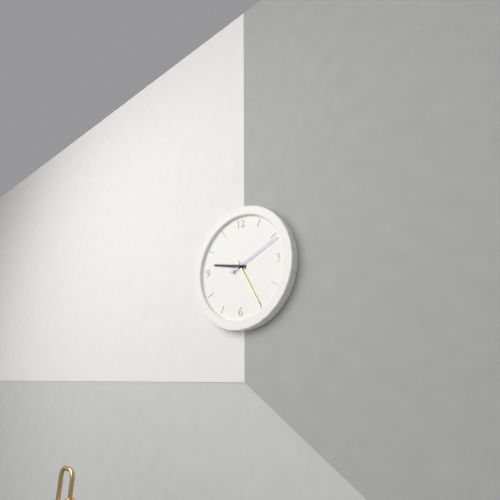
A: 9 h 25 min 11 s
